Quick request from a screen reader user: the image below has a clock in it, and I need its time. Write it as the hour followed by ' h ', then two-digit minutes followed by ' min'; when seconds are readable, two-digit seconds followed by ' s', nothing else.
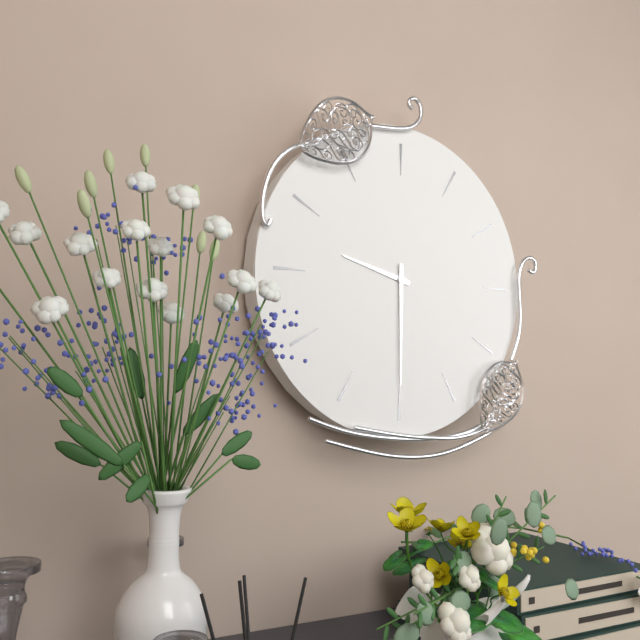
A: 9 h 30 min
